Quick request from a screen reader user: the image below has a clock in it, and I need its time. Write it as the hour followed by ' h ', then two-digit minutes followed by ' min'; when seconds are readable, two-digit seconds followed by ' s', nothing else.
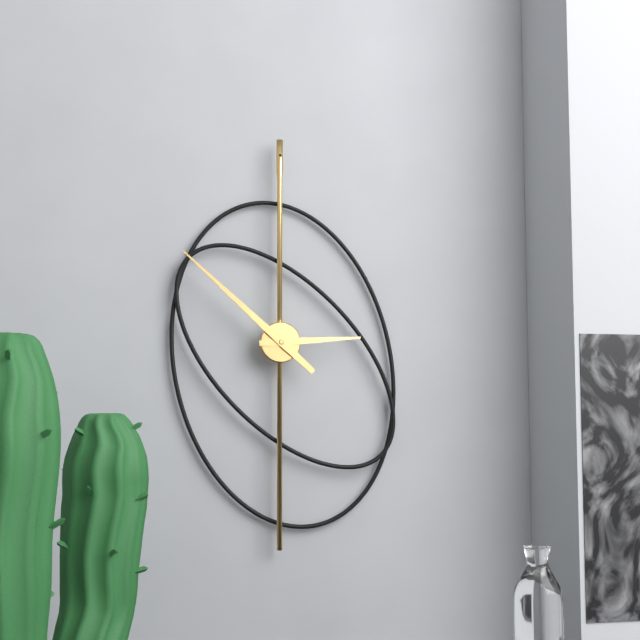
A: 2 h 52 min
